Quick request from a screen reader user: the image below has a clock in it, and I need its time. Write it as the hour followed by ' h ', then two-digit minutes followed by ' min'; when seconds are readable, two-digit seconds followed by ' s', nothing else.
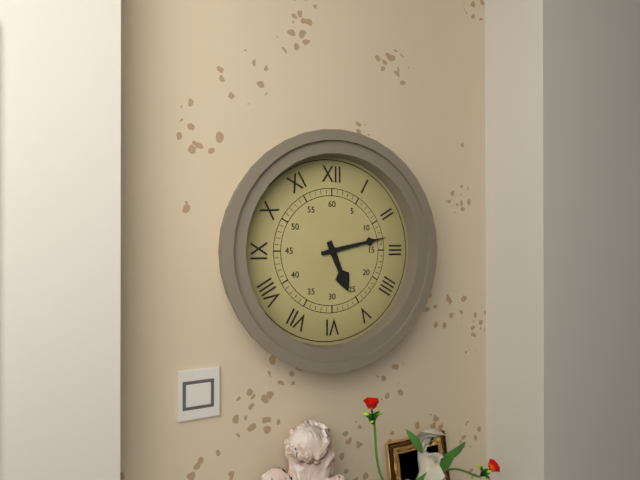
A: 5 h 13 min
